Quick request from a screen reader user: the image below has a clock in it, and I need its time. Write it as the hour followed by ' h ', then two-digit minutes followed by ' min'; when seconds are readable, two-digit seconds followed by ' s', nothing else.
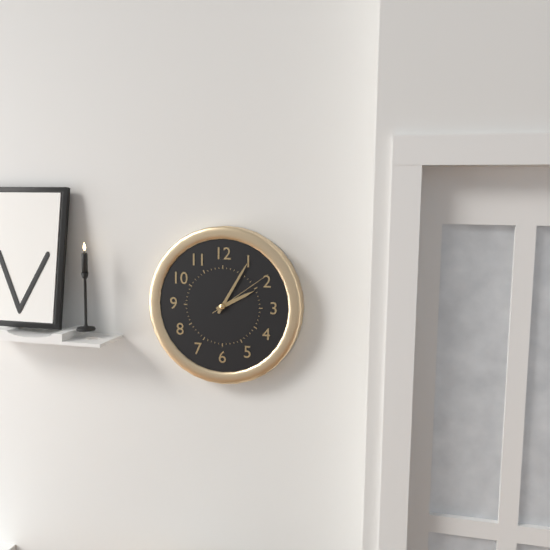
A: 2 h 05 min 09 s
